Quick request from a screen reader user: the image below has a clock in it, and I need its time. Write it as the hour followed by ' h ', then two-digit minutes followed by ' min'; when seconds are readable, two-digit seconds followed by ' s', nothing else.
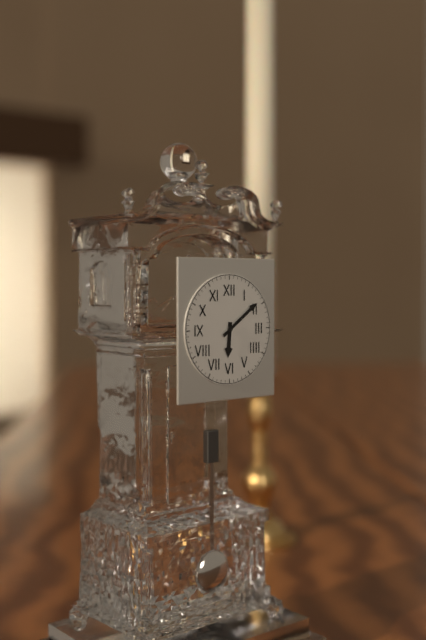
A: 6 h 09 min
